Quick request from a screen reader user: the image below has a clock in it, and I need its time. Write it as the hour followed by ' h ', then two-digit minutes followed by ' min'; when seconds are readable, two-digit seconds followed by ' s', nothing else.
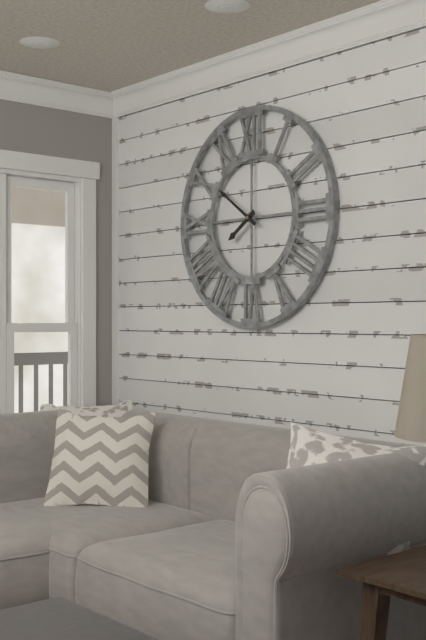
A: 7 h 51 min
